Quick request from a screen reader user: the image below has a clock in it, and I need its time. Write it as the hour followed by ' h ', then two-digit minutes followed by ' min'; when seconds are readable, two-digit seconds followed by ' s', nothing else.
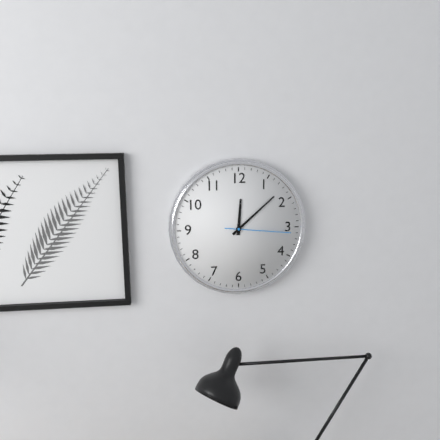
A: 12 h 08 min 16 s
